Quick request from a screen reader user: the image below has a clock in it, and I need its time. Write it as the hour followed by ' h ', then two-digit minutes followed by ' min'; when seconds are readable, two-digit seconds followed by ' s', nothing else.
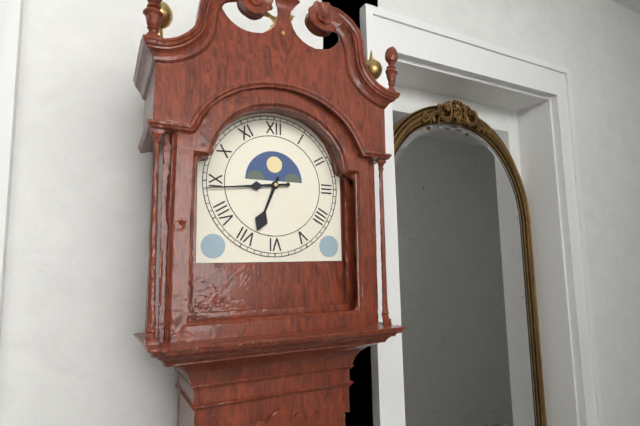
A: 6 h 44 min
